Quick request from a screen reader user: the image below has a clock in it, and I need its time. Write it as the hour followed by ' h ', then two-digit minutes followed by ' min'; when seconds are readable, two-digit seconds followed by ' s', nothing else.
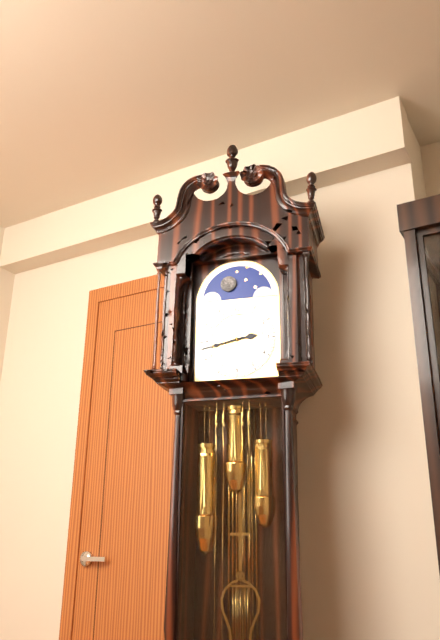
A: 2 h 43 min
